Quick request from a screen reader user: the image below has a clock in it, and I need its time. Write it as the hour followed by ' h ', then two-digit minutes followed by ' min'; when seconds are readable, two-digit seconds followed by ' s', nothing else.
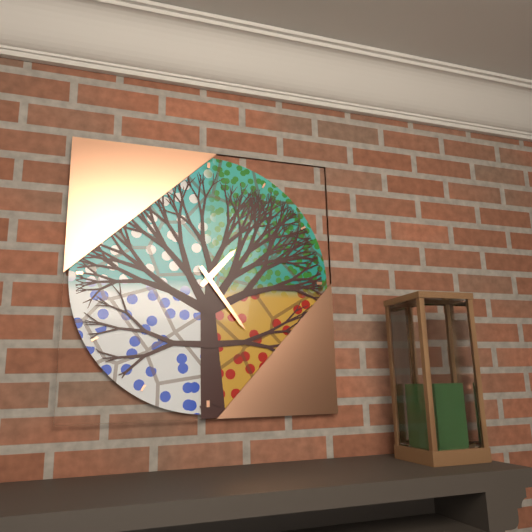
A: 1 h 24 min
